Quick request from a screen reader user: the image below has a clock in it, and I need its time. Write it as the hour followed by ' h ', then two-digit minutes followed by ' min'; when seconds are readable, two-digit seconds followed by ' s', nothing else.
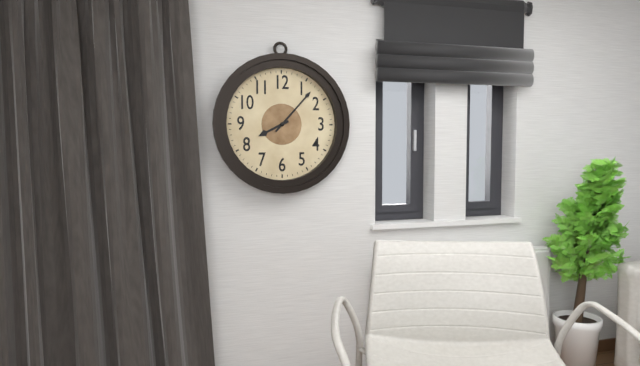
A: 8 h 07 min
